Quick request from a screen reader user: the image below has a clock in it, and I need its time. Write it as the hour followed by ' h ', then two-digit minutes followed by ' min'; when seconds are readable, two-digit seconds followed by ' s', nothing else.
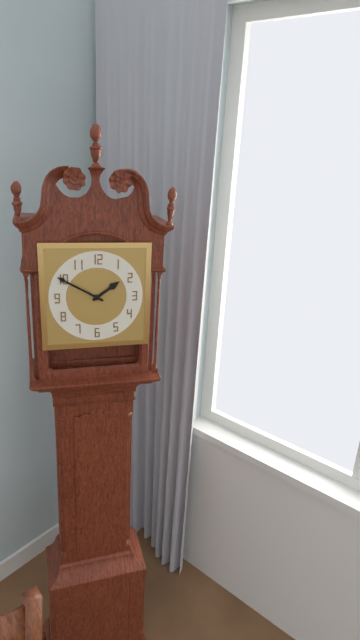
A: 1 h 50 min
